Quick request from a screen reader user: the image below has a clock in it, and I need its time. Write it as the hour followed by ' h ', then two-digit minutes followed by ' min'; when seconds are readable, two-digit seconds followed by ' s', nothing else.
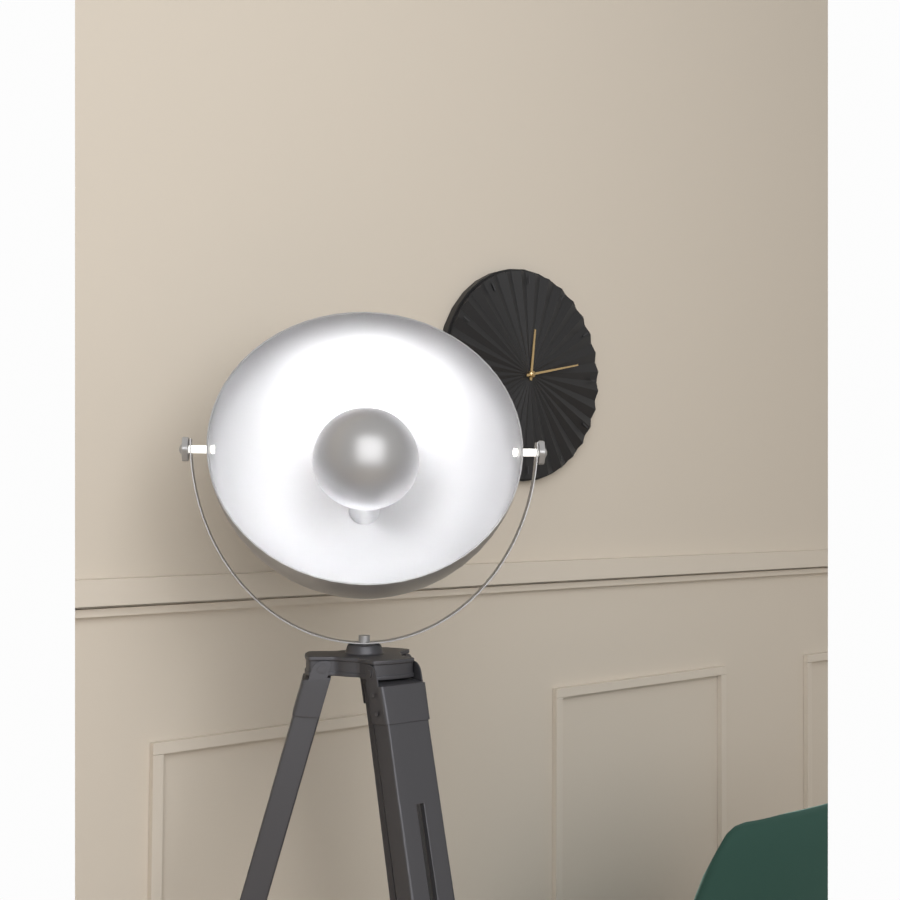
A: 12 h 13 min
